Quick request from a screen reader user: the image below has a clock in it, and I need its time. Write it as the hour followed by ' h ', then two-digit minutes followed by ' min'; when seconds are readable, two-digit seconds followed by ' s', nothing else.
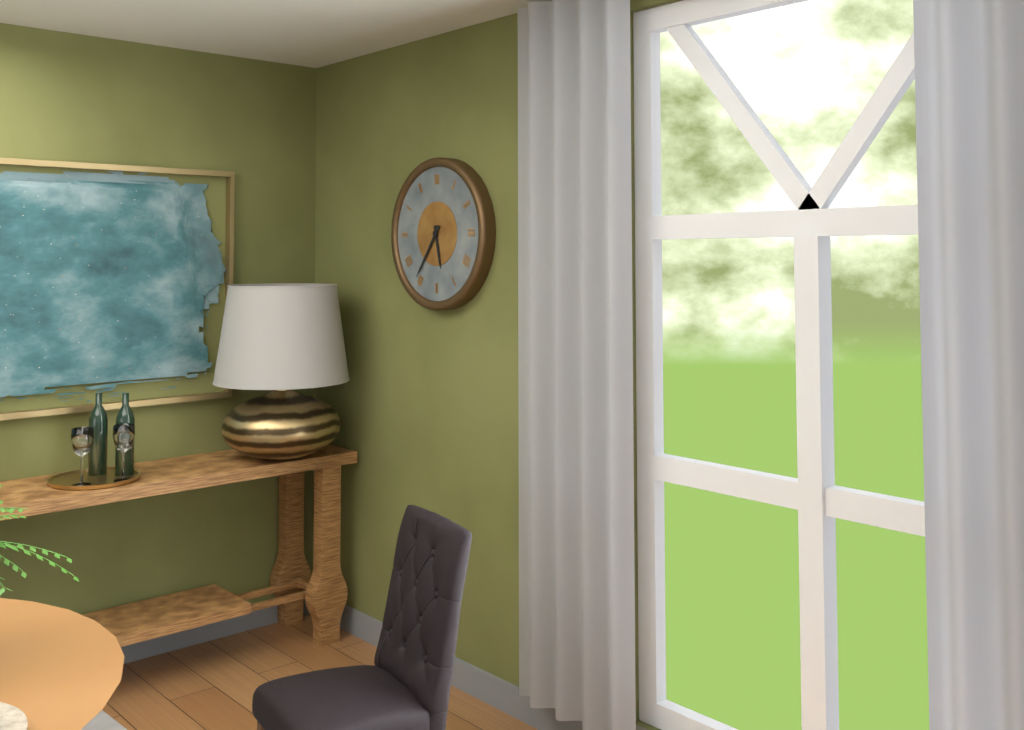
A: 5 h 36 min
